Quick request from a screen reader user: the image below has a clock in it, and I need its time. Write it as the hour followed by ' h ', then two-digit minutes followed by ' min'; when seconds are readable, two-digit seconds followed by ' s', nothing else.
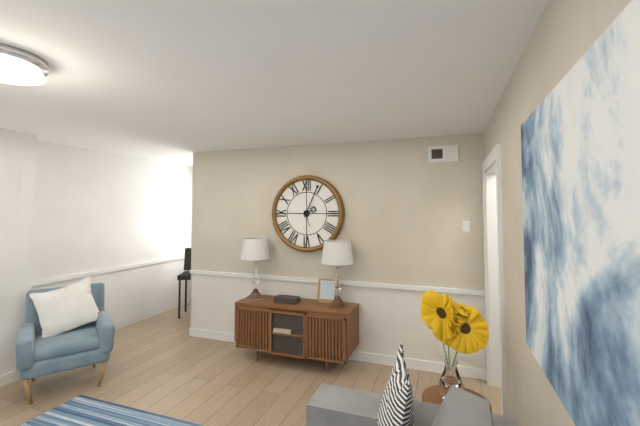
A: 2 h 04 min
